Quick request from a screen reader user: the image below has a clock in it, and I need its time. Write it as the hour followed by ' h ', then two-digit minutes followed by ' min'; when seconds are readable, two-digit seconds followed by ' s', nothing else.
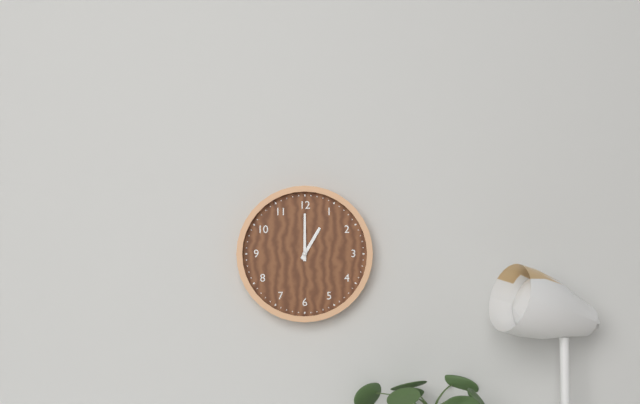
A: 1 h 00 min
